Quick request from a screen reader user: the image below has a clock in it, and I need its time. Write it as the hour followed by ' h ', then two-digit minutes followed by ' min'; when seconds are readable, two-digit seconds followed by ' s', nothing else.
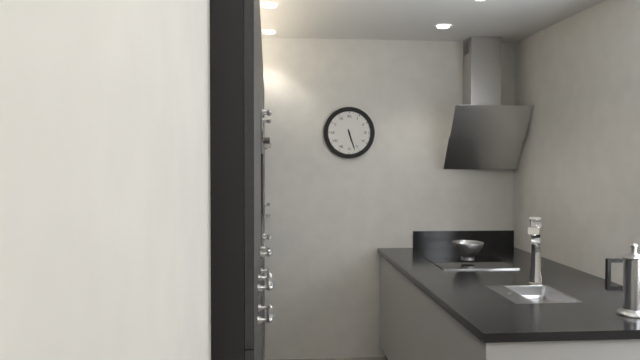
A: 5 h 27 min
